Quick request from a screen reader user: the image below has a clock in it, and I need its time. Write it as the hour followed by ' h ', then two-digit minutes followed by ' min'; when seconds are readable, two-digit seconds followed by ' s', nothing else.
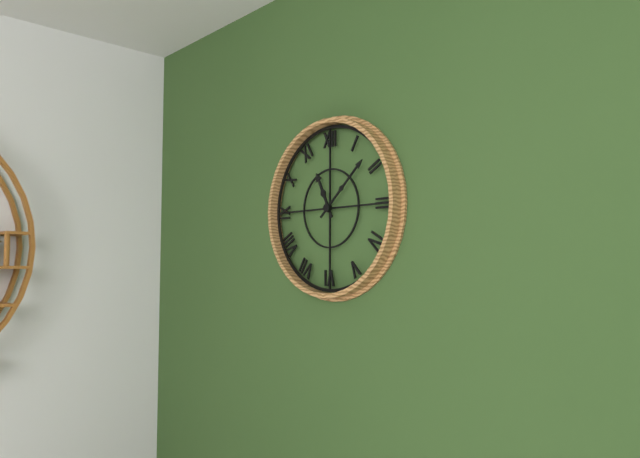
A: 11 h 08 min
